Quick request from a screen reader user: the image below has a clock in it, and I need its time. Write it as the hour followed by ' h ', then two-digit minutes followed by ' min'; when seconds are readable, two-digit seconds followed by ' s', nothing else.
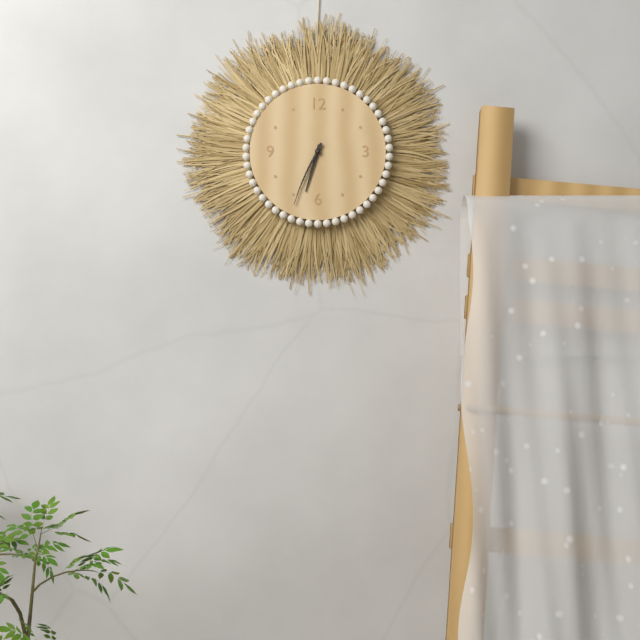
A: 6 h 34 min
